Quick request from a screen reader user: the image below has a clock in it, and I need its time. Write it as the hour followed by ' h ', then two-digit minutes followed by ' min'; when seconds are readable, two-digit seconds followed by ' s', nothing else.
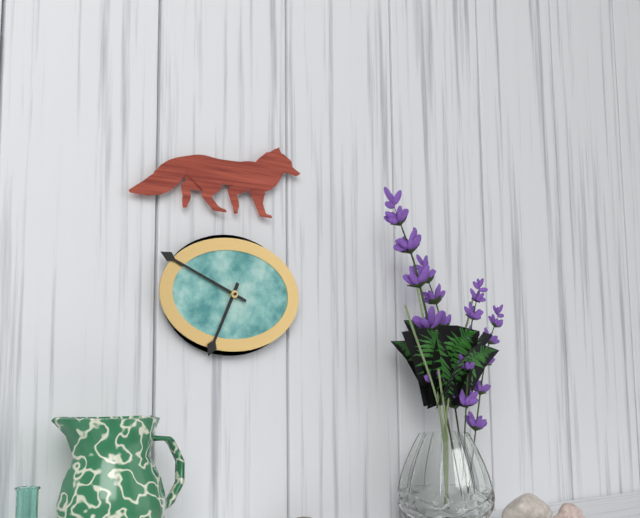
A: 6 h 49 min
